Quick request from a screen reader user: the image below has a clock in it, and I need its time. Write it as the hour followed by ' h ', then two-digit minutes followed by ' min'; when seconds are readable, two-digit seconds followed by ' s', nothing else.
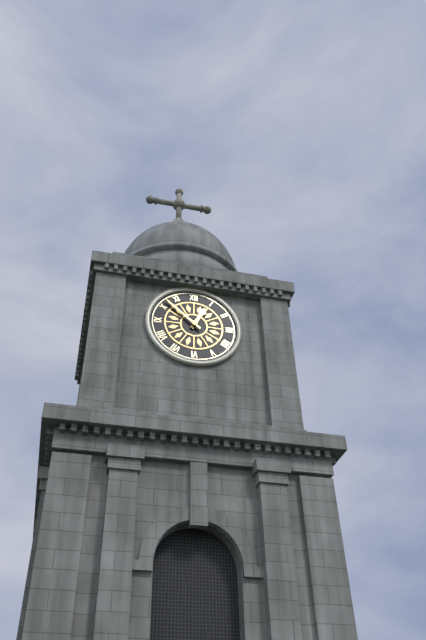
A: 12 h 52 min
